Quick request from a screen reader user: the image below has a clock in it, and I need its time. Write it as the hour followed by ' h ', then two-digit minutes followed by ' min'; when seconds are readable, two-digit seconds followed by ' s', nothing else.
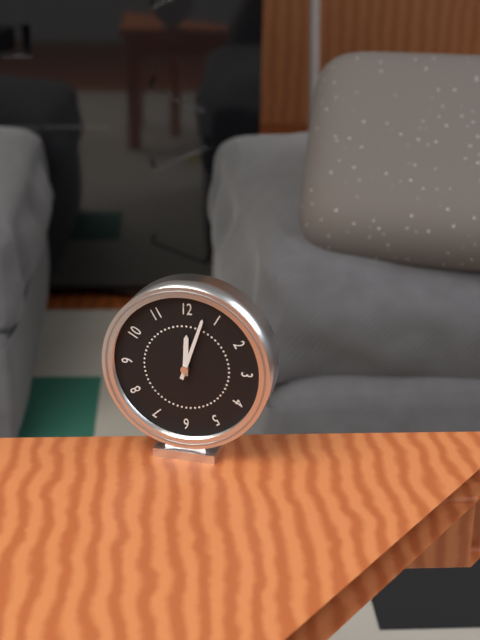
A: 12 h 03 min
